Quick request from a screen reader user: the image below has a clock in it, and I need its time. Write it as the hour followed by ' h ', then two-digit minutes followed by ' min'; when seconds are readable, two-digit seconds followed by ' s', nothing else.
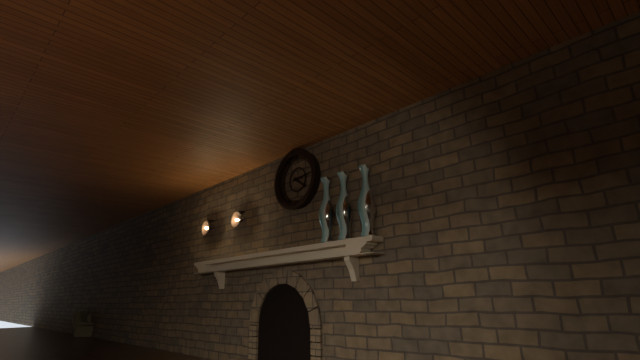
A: 4 h 14 min
